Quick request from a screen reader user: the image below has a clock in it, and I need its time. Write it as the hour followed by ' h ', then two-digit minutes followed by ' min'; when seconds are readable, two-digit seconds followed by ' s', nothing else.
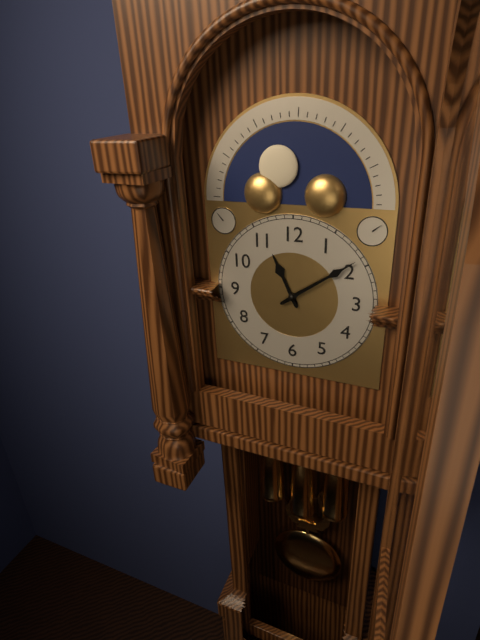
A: 11 h 09 min
